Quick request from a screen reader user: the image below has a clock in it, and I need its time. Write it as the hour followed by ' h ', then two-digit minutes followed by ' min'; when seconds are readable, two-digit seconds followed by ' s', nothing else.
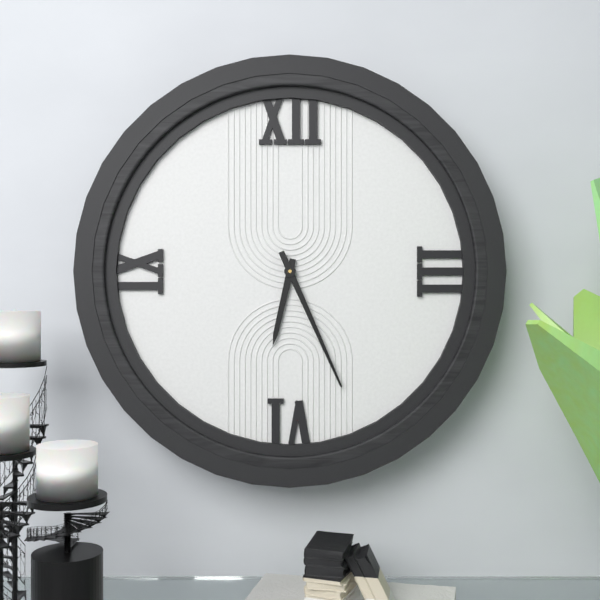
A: 6 h 26 min
